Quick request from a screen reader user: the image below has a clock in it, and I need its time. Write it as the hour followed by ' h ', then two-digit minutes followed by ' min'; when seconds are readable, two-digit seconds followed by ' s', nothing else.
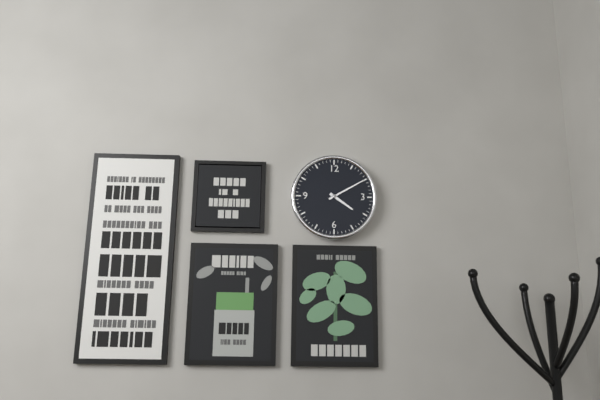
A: 4 h 10 min
